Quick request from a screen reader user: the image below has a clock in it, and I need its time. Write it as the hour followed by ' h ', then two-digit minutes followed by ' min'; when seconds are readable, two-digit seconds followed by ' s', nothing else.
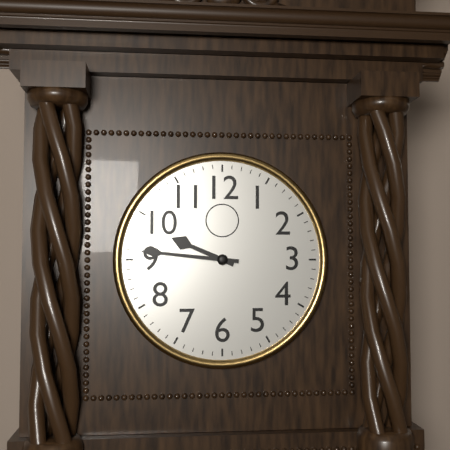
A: 9 h 46 min
